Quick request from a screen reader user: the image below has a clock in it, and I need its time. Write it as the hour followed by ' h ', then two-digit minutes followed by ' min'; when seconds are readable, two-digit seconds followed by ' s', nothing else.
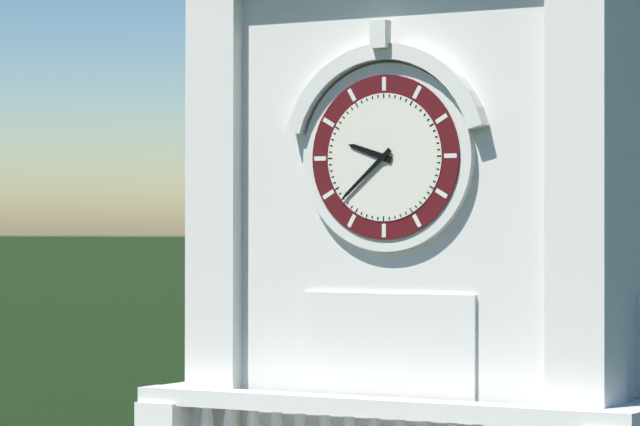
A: 9 h 38 min
